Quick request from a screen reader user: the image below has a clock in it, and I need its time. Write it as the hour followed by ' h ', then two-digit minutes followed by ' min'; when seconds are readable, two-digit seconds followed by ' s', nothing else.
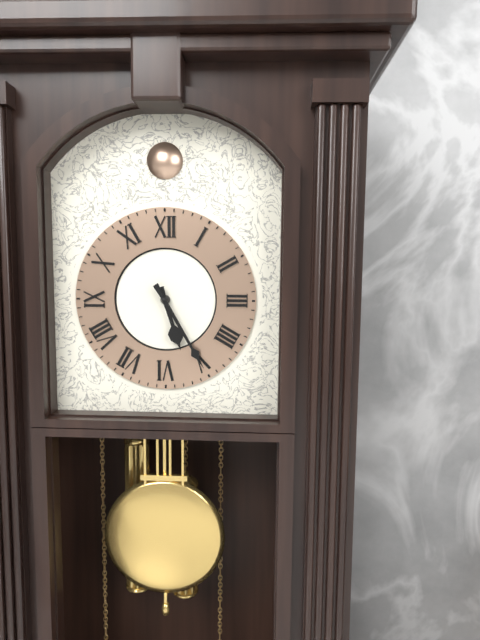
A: 5 h 25 min
